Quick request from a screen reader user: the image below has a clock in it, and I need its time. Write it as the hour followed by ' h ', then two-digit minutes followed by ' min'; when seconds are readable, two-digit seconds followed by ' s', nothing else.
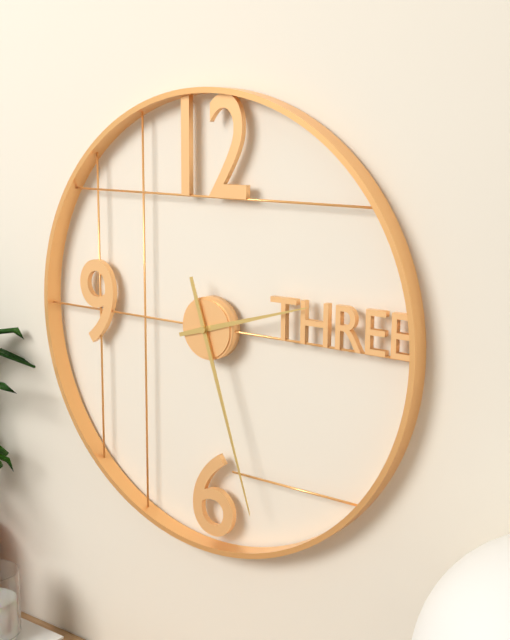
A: 2 h 27 min
